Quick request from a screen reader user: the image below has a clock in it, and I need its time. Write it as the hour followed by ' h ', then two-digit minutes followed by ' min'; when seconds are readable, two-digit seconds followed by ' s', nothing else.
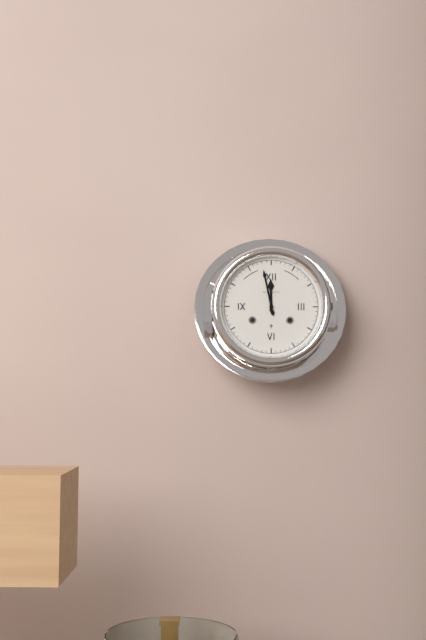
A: 11 h 58 min
